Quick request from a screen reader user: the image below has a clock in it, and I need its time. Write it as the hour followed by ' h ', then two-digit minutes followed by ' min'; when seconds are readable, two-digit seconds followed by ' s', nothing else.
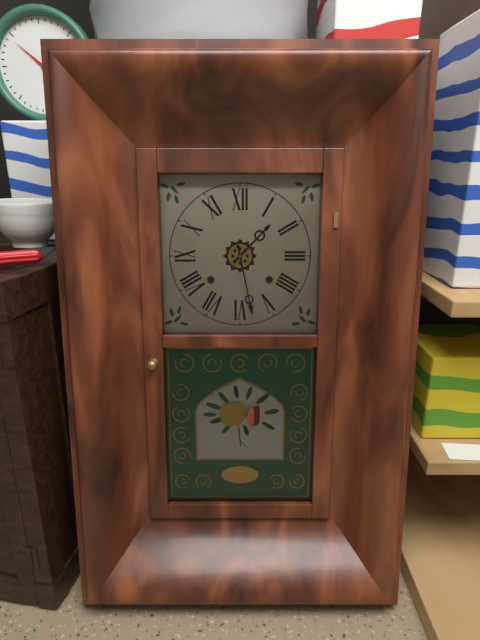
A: 1 h 28 min
